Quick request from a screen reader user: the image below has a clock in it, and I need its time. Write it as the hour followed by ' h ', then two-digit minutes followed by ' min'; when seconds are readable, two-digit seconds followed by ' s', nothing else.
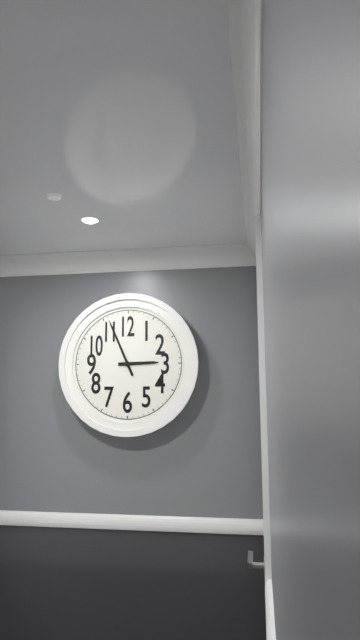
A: 2 h 56 min
